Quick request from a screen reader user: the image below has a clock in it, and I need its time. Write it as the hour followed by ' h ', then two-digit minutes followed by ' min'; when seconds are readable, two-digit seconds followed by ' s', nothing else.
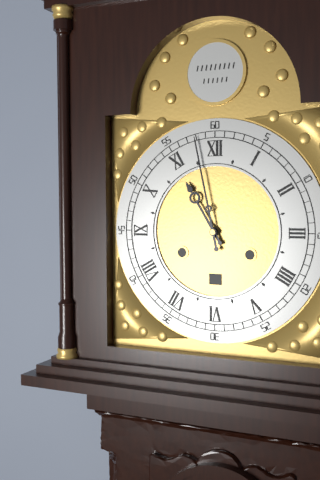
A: 10 h 58 min
